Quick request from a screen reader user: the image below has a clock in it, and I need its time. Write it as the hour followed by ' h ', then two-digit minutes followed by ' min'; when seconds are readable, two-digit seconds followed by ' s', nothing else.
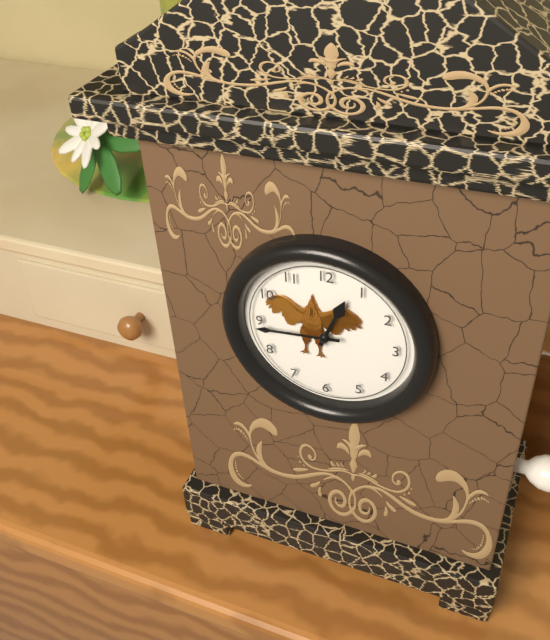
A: 12 h 44 min
